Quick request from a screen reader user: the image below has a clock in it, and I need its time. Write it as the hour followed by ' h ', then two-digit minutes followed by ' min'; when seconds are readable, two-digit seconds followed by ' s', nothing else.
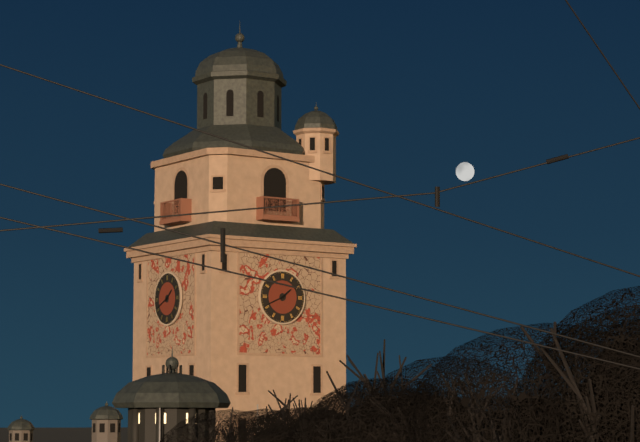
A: 1 h 41 min
